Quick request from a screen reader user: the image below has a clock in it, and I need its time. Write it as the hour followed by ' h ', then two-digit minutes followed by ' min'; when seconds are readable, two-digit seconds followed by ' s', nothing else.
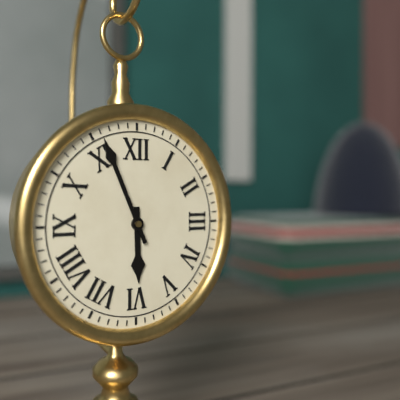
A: 5 h 56 min
